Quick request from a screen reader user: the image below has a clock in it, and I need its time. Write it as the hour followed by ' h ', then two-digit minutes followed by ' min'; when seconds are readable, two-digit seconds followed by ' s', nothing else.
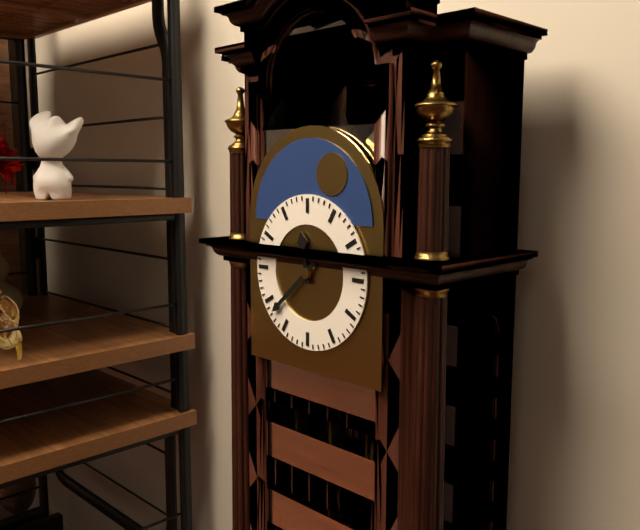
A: 11 h 38 min
